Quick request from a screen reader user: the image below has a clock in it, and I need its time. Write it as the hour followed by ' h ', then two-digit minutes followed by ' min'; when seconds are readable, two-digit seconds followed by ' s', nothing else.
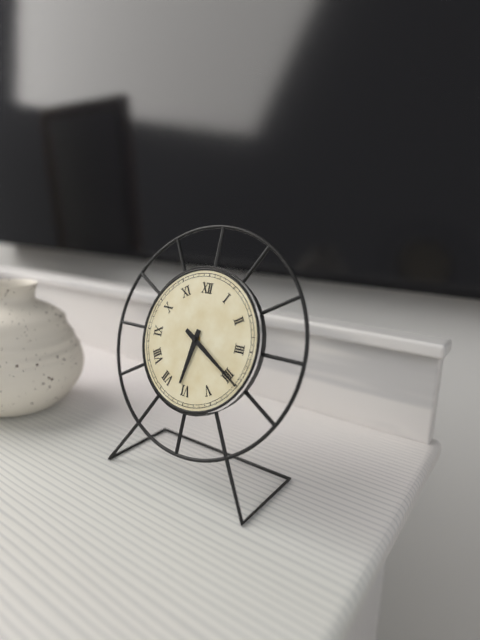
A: 6 h 20 min
